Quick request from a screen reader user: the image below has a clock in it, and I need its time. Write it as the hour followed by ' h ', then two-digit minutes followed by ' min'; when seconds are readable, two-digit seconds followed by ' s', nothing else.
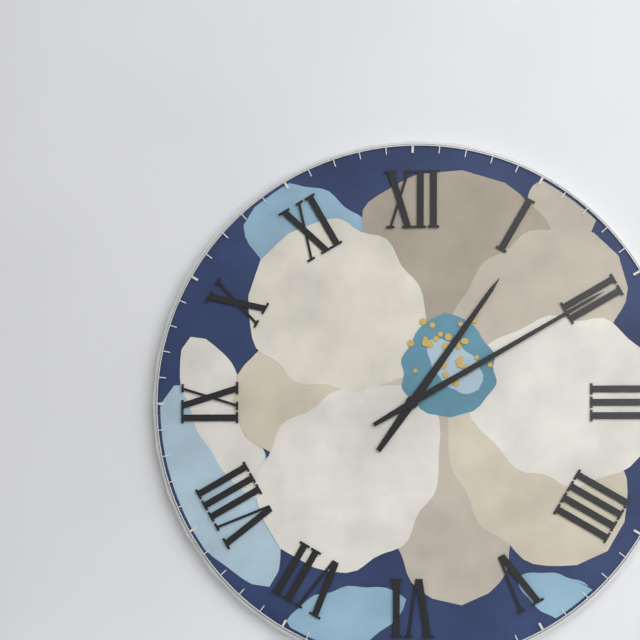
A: 1 h 10 min
